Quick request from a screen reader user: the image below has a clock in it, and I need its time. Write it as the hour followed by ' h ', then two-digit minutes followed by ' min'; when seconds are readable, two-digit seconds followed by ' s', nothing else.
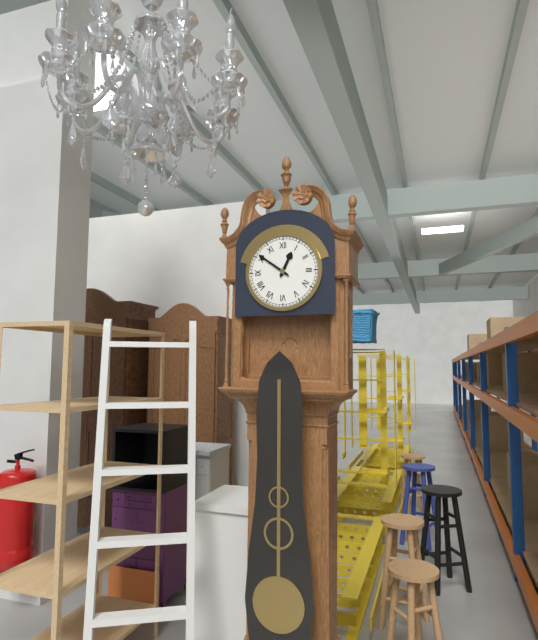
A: 12 h 51 min
